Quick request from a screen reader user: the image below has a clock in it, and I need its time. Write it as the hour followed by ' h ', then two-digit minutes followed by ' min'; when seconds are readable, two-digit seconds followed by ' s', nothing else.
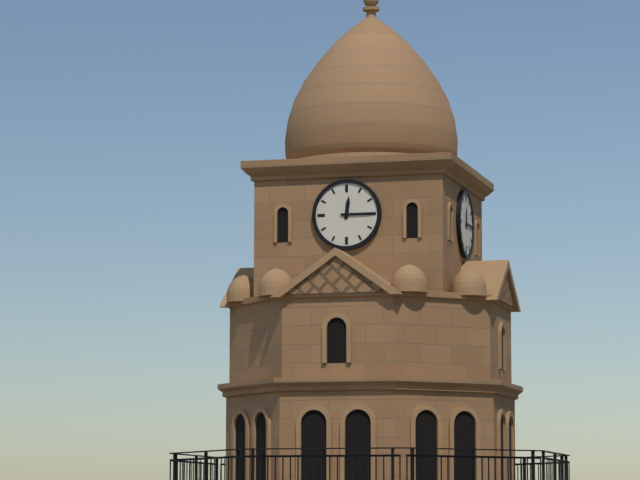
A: 12 h 15 min
